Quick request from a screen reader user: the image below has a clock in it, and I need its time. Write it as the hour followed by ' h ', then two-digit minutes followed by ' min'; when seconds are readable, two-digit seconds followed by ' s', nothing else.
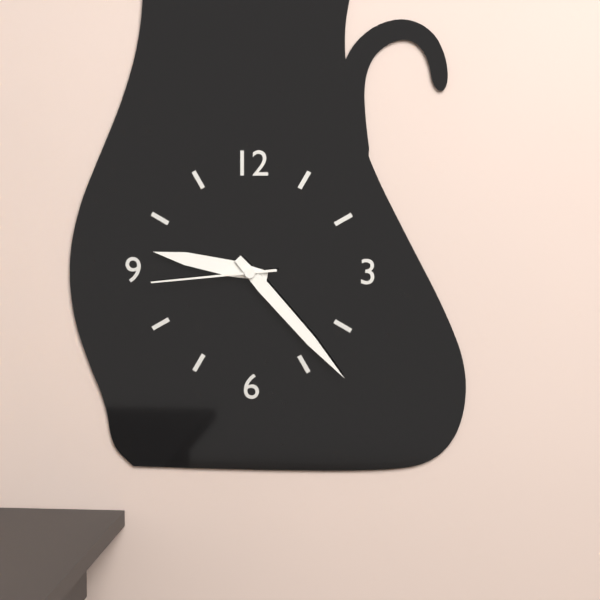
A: 9 h 23 min 44 s
